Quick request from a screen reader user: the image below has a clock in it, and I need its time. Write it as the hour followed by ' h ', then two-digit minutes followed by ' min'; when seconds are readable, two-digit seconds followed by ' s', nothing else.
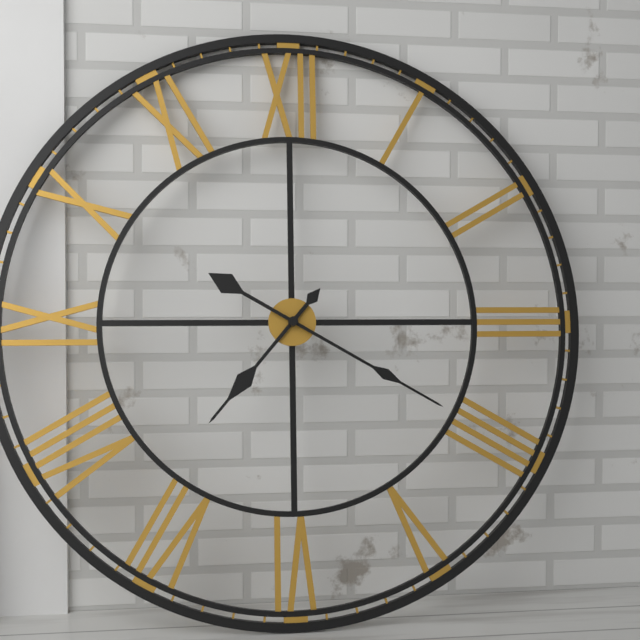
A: 7 h 20 min
